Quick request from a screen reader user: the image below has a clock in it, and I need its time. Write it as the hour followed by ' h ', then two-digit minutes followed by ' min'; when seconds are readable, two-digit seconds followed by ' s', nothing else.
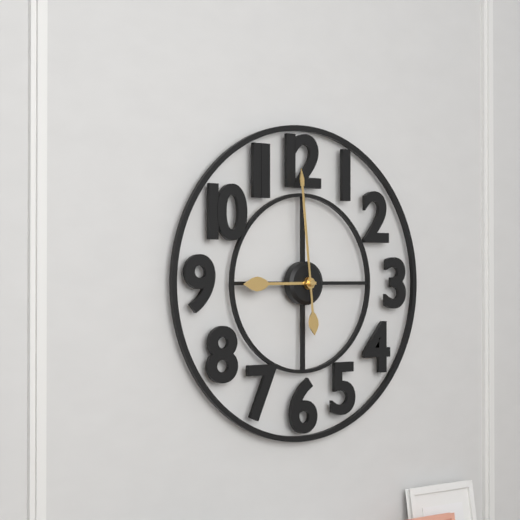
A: 8 h 59 min
